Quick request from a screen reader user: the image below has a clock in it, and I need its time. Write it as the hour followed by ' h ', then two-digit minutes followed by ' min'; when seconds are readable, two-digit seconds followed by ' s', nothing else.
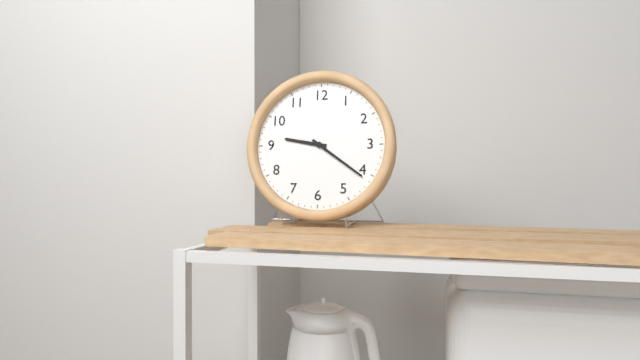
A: 9 h 21 min
